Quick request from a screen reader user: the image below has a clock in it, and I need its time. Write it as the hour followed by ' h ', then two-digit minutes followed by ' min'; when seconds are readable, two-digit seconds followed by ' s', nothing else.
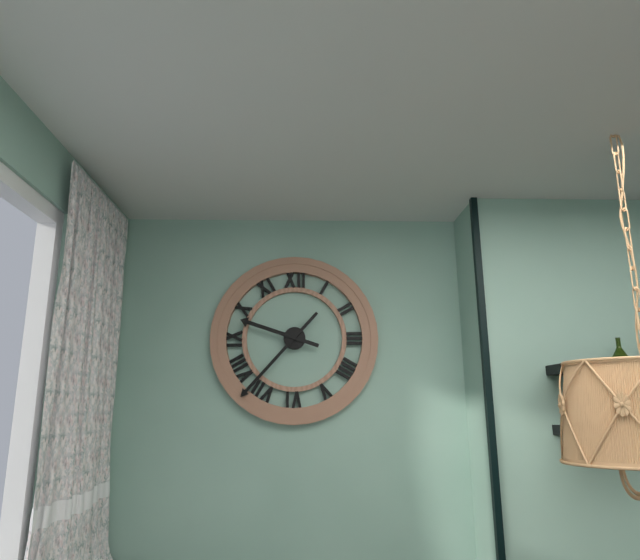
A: 9 h 37 min
